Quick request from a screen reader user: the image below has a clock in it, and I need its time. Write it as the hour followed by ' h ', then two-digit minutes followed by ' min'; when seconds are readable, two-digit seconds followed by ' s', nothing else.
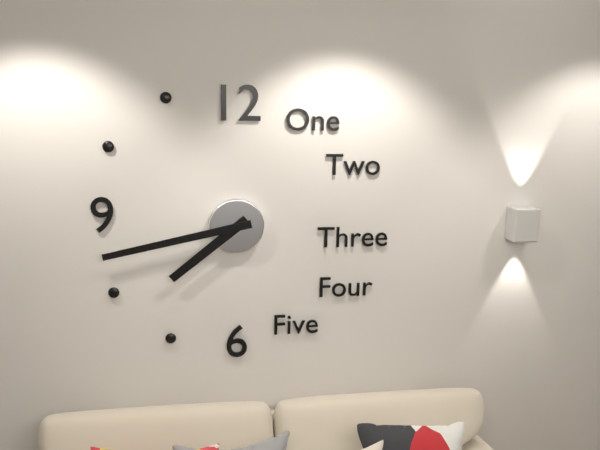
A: 7 h 43 min
